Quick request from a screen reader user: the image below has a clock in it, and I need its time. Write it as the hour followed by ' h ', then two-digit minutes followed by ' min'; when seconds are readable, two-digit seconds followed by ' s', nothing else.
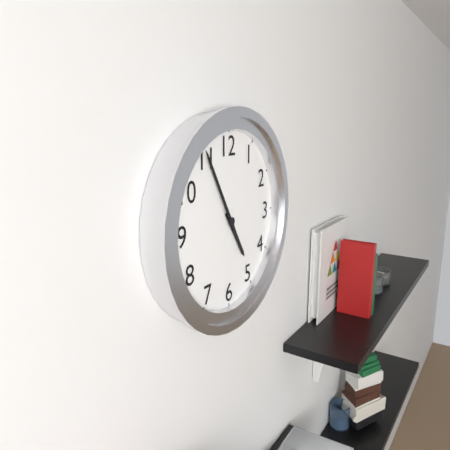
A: 4 h 55 min
